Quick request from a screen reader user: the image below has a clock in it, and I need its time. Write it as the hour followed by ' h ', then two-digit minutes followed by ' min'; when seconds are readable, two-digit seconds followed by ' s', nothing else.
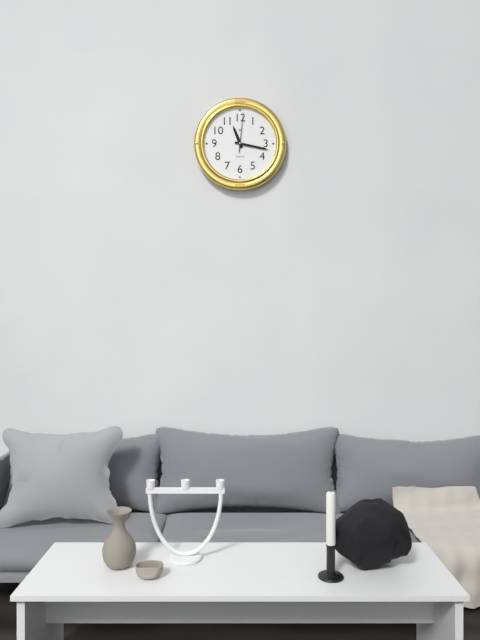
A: 11 h 17 min
